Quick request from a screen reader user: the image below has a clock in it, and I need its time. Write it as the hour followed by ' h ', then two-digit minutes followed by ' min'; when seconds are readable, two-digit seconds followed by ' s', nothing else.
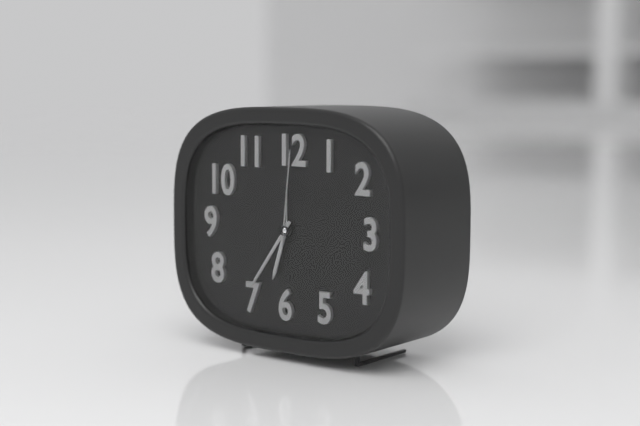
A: 6 h 36 min 01 s
